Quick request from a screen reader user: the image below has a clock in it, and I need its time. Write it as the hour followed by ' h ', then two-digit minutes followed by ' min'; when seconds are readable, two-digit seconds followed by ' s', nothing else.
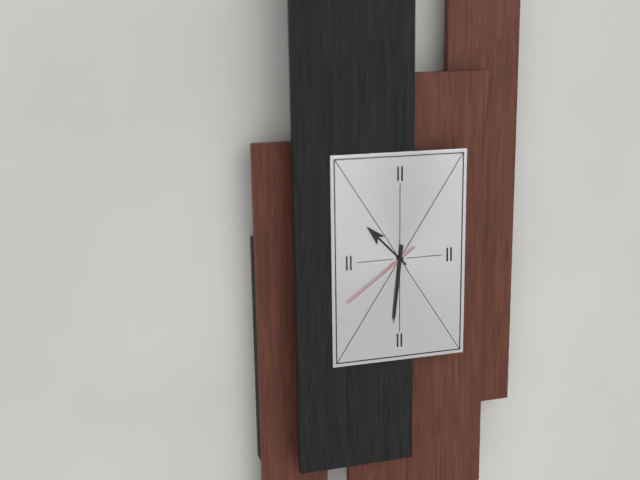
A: 10 h 31 min 39 s
